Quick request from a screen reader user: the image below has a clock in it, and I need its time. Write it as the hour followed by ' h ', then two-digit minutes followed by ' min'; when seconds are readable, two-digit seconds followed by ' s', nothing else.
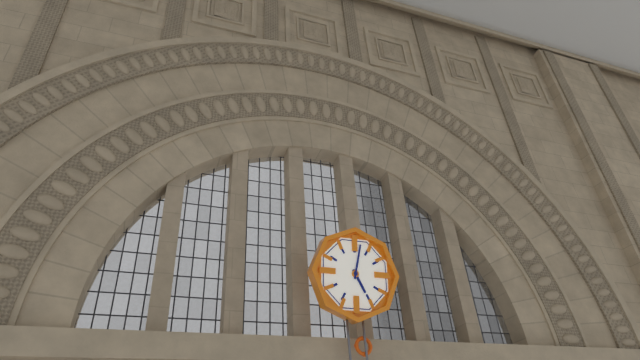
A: 5 h 02 min
